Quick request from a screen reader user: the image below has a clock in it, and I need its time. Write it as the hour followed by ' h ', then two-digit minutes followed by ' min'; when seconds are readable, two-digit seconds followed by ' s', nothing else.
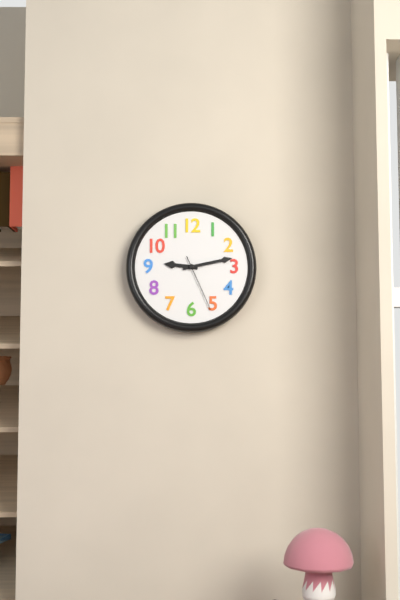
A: 9 h 13 min 26 s
